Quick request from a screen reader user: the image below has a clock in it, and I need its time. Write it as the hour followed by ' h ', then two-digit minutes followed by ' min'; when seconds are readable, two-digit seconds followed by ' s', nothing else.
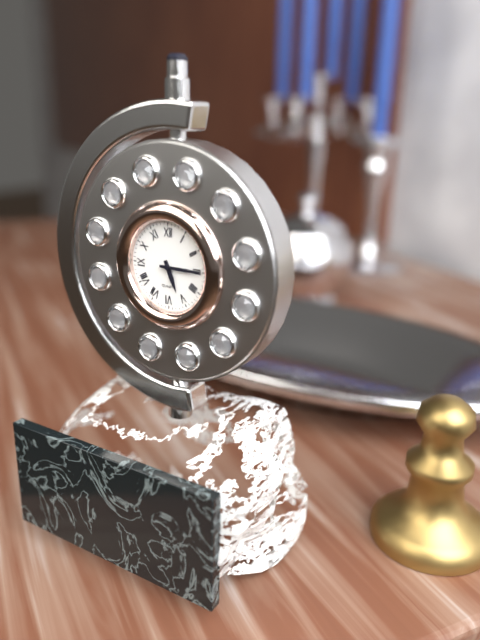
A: 5 h 15 min
